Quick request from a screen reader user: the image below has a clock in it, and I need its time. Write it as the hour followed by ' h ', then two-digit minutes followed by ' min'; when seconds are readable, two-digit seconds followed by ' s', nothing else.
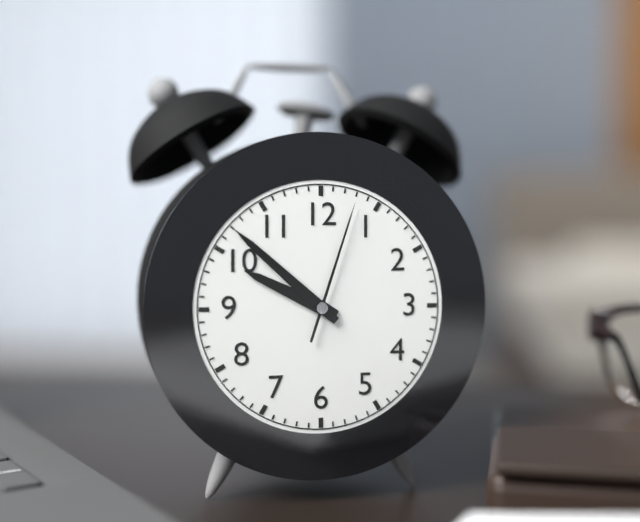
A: 9 h 52 min 03 s
